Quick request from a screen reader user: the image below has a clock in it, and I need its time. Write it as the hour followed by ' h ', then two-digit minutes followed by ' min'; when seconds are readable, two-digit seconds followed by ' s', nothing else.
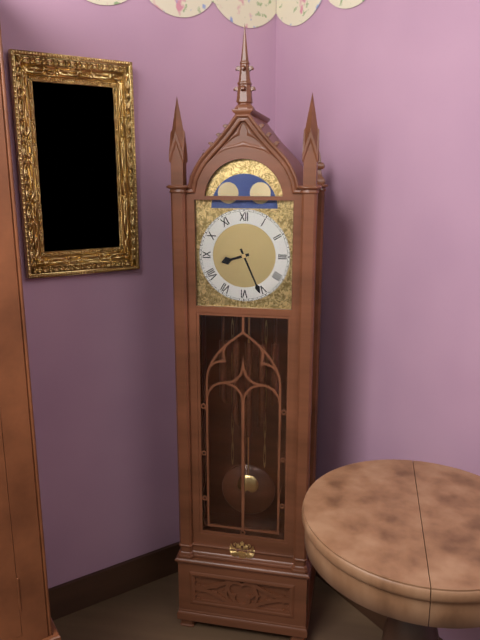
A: 8 h 26 min
